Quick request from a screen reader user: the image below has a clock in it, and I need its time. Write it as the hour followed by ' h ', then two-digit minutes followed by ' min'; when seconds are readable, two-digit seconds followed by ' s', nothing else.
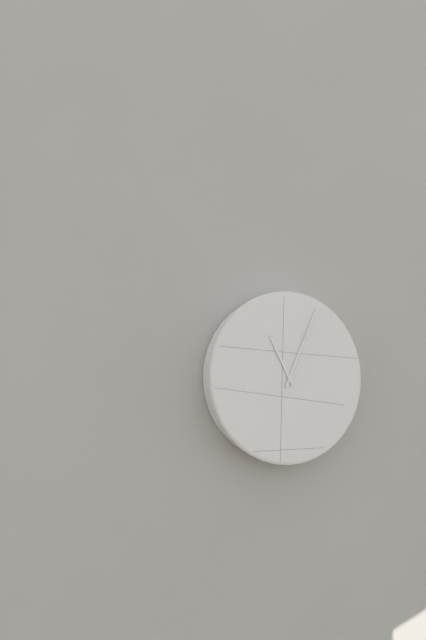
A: 11 h 04 min
